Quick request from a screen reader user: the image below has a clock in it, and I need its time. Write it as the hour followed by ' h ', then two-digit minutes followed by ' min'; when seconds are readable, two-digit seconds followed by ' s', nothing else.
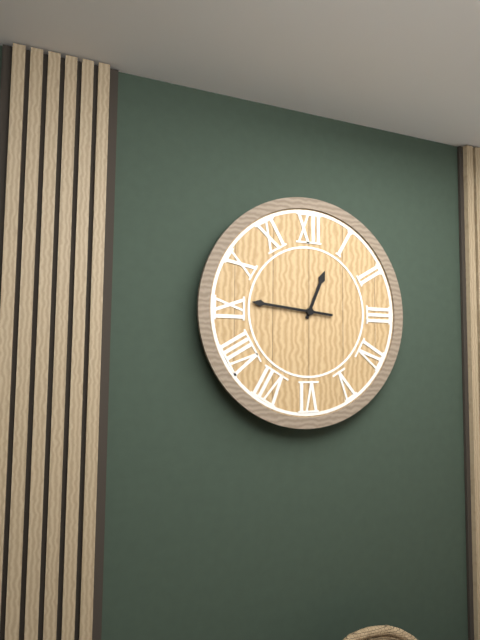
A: 12 h 46 min
